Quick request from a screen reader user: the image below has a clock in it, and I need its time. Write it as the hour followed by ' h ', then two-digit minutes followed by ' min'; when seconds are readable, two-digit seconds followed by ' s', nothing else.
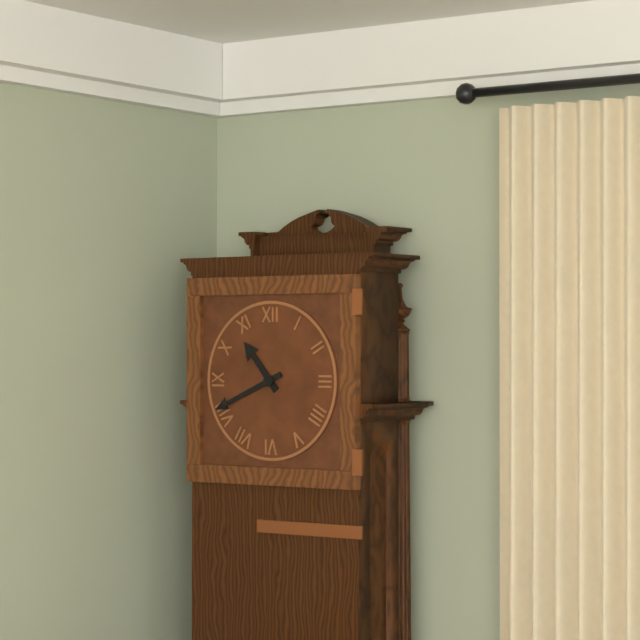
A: 10 h 41 min
